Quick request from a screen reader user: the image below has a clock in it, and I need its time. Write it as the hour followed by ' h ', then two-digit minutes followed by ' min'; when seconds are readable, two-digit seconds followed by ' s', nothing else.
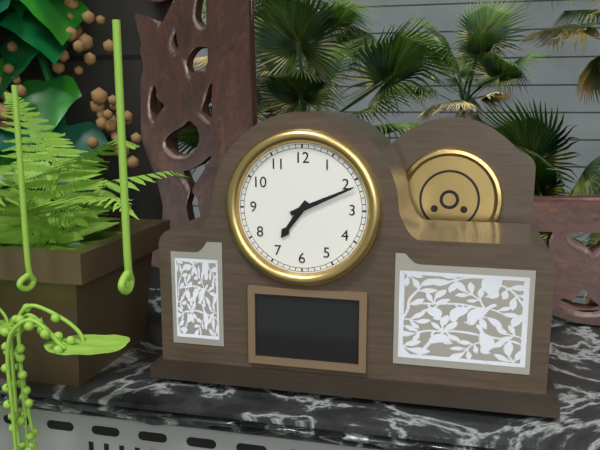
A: 7 h 11 min
